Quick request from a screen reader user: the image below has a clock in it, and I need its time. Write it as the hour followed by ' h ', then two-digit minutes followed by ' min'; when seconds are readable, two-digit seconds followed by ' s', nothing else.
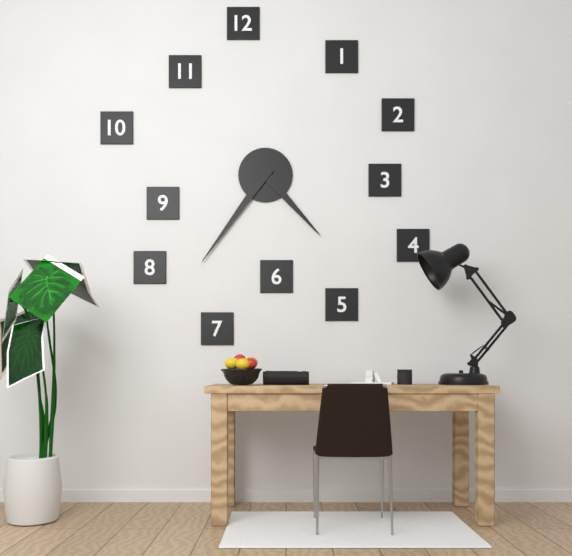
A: 4 h 36 min
